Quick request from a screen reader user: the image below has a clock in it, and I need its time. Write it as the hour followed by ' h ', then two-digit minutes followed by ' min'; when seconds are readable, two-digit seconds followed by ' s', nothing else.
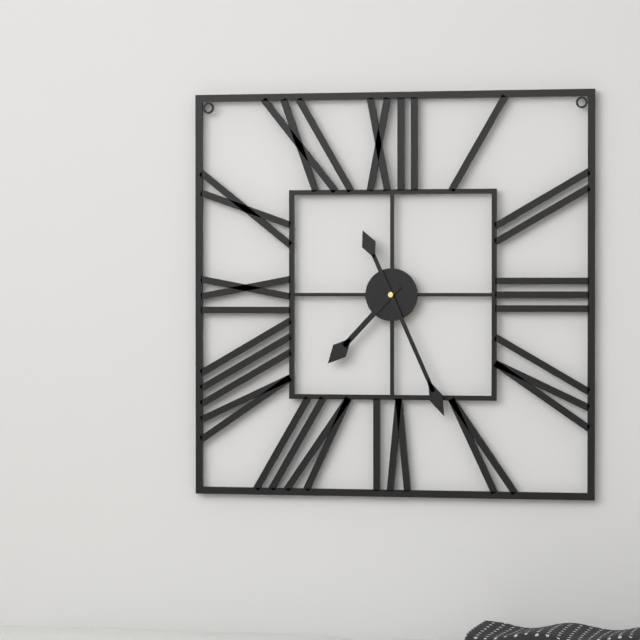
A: 7 h 26 min
